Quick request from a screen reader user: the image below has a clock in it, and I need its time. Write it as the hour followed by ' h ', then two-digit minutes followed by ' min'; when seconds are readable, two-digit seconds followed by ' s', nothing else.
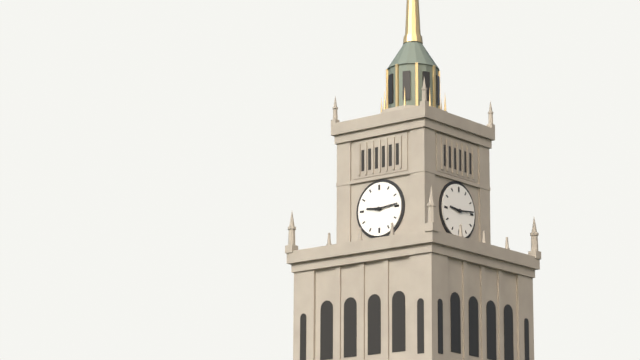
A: 9 h 14 min
